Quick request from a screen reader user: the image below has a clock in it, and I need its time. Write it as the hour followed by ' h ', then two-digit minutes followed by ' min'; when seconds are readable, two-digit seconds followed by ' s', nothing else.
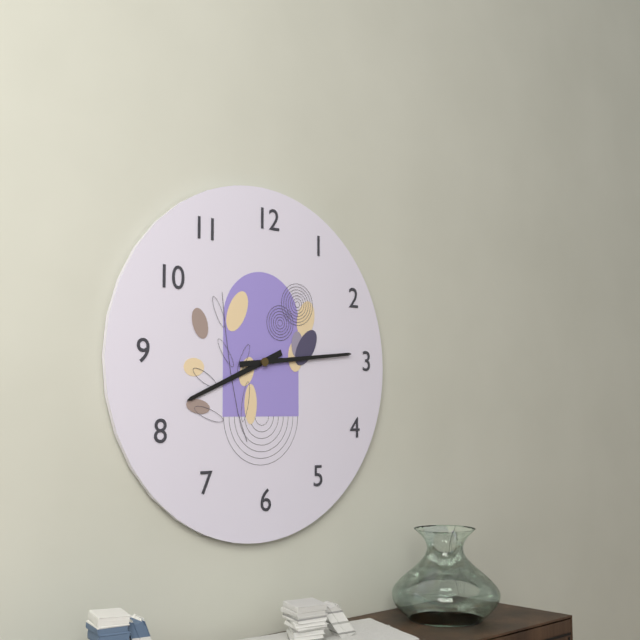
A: 8 h 14 min
